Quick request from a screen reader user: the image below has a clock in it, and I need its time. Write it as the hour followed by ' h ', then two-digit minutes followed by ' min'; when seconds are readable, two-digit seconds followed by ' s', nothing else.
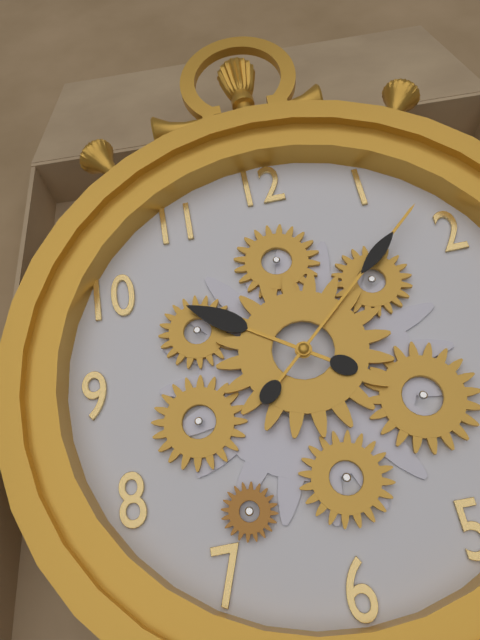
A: 10 h 08 min
